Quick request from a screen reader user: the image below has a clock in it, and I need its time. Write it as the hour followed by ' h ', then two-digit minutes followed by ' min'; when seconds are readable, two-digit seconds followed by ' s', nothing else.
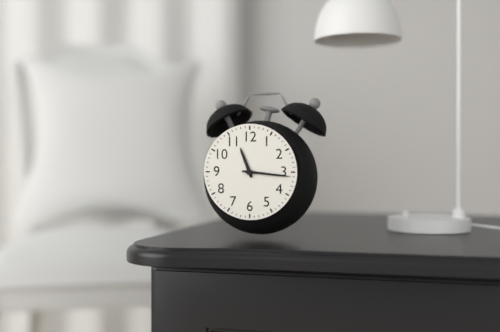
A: 11 h 16 min
